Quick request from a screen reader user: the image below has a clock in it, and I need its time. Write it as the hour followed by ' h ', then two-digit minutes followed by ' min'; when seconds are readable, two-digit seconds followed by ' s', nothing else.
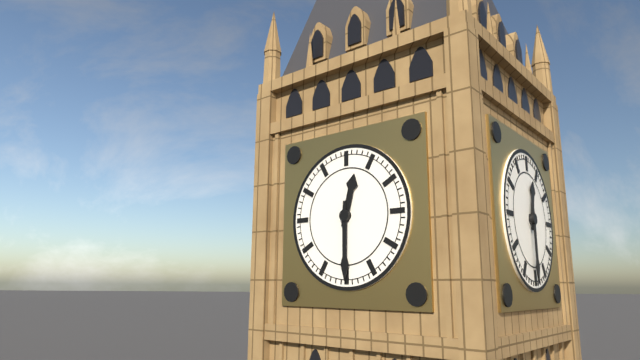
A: 12 h 30 min
